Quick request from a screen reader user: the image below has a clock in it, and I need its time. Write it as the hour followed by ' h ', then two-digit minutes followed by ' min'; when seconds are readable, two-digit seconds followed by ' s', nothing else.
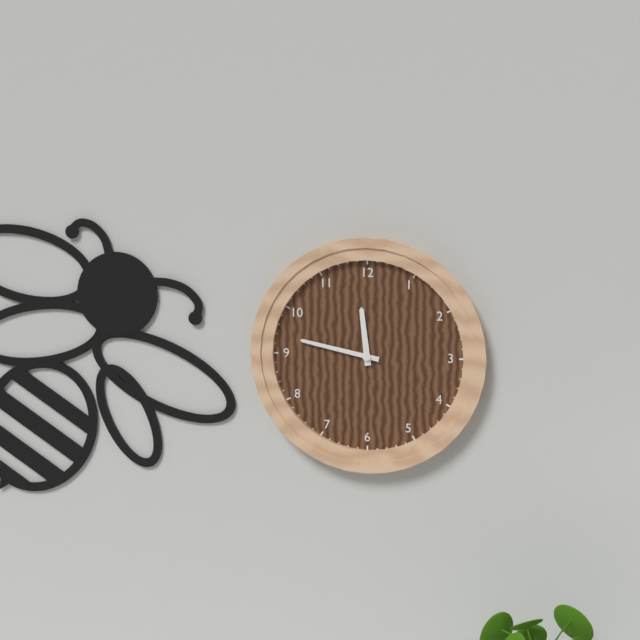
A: 11 h 47 min
